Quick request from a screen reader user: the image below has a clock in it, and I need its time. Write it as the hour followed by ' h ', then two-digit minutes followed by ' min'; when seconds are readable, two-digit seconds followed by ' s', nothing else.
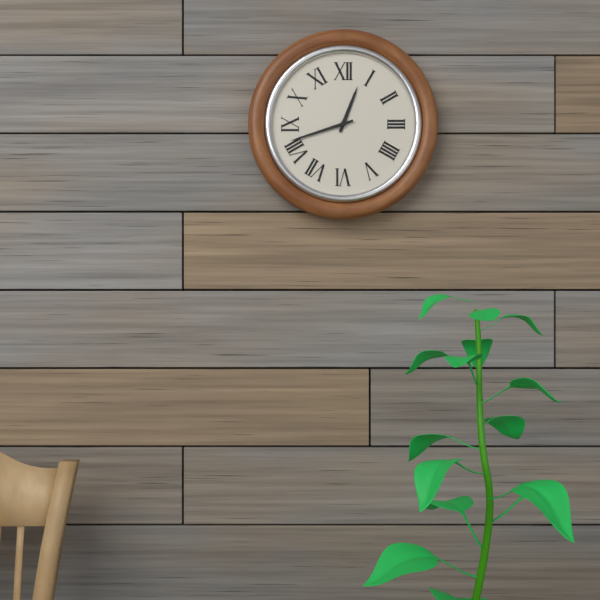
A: 12 h 42 min
